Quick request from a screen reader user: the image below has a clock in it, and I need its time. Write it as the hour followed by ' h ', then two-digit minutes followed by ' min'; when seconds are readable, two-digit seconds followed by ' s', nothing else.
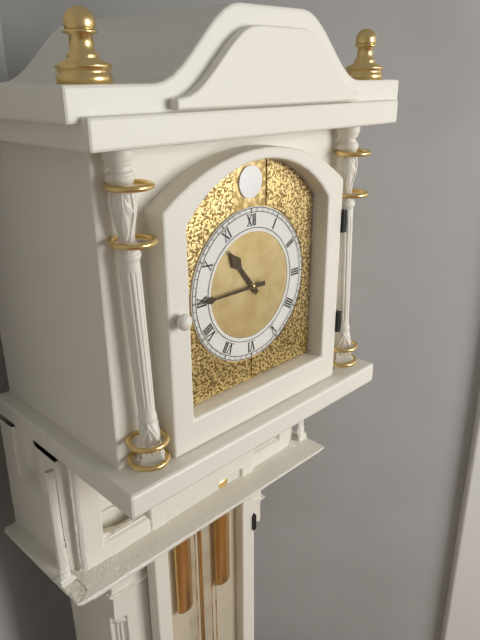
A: 10 h 45 min
